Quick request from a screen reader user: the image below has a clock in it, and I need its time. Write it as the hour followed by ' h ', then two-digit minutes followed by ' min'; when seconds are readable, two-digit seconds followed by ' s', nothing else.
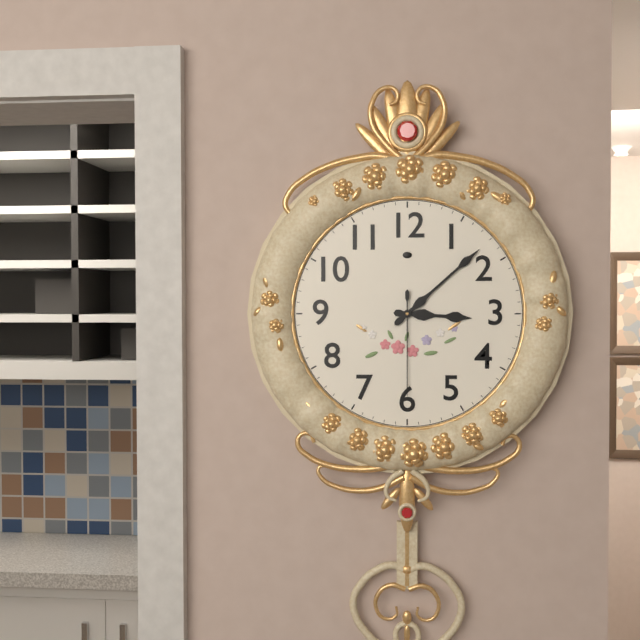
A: 3 h 08 min 30 s
